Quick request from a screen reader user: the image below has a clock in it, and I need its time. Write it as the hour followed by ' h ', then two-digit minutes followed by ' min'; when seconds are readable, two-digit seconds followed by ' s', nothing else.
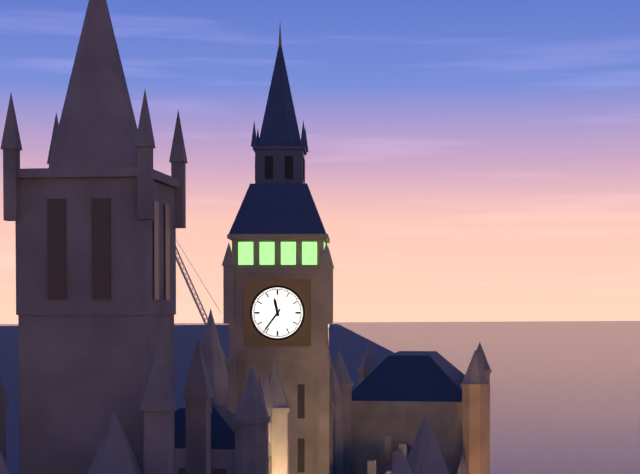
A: 11 h 36 min
